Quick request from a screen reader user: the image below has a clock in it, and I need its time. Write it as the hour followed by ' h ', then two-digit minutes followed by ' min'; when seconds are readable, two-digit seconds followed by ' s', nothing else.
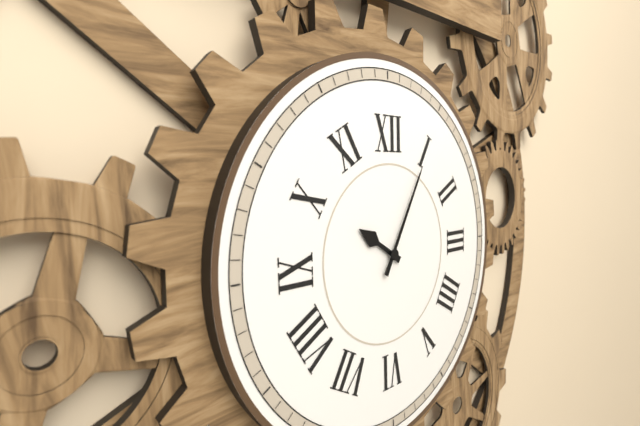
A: 10 h 05 min
